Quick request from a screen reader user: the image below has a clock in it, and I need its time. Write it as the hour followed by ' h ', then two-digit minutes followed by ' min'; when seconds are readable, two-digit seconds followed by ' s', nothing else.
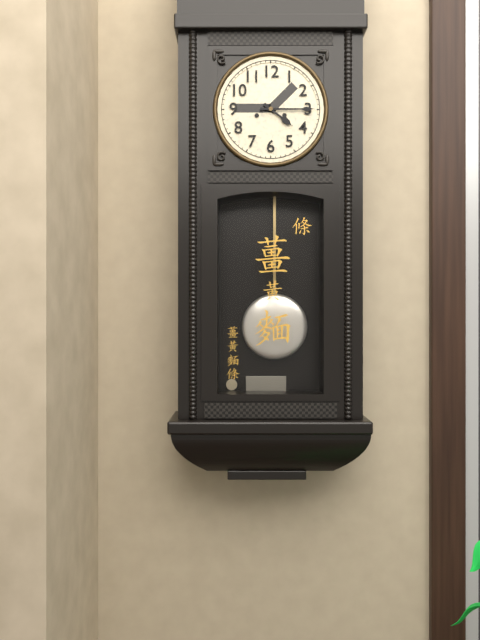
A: 4 h 15 min
